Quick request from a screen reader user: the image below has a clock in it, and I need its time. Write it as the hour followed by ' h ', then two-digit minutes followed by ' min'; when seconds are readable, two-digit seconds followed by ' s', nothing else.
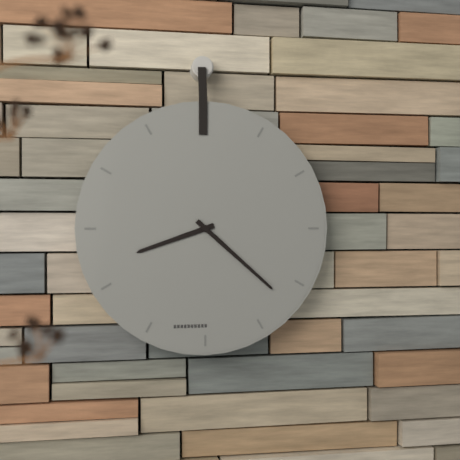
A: 8 h 22 min
